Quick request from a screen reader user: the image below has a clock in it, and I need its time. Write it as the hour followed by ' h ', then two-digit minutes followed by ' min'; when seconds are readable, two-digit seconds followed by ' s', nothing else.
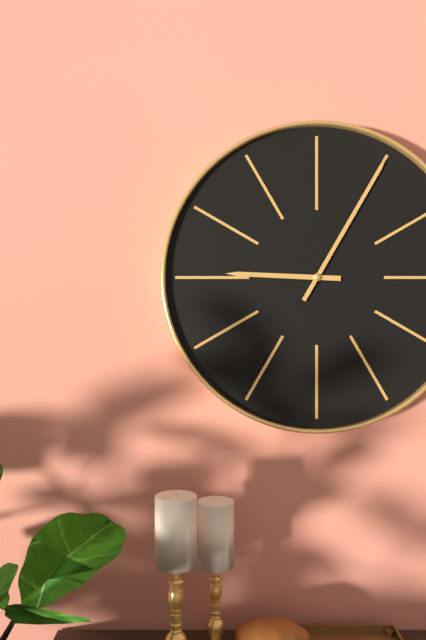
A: 9 h 05 min
